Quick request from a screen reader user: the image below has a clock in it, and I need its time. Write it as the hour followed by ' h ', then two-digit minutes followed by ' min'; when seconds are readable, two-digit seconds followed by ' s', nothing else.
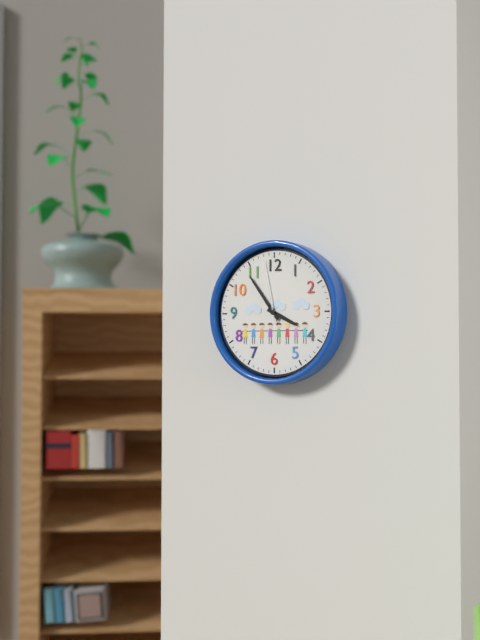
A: 3 h 54 min 58 s
